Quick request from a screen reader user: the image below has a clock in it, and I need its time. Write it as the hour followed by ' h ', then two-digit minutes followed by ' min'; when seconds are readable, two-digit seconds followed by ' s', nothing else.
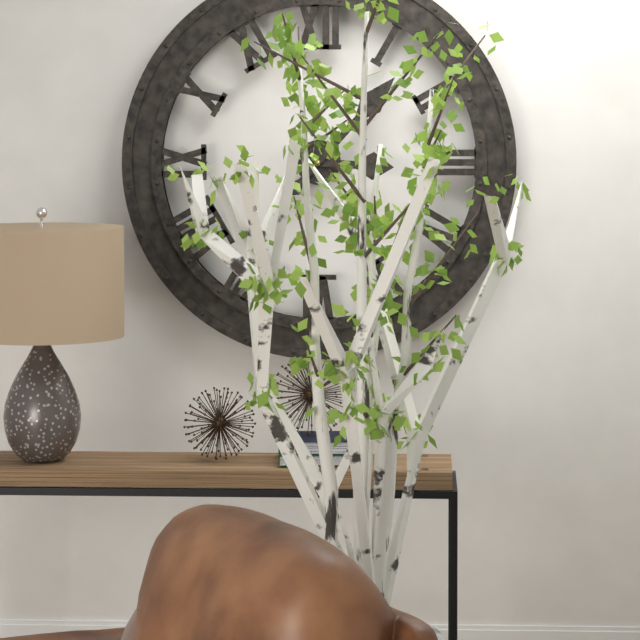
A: 3 h 07 min
